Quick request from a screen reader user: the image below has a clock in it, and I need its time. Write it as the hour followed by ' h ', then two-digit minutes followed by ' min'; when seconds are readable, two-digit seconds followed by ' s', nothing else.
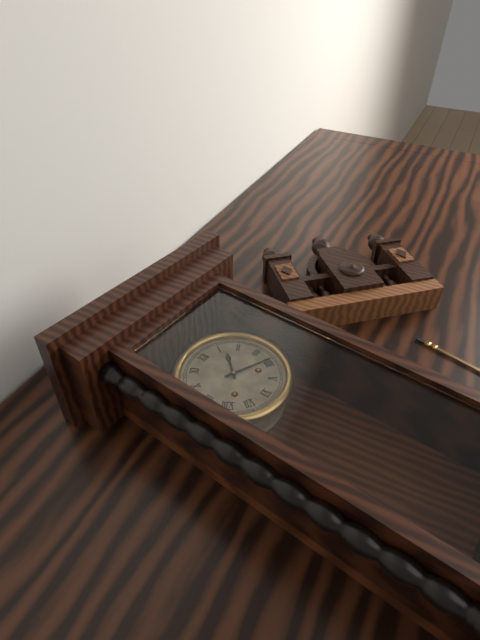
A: 1 h 19 min
